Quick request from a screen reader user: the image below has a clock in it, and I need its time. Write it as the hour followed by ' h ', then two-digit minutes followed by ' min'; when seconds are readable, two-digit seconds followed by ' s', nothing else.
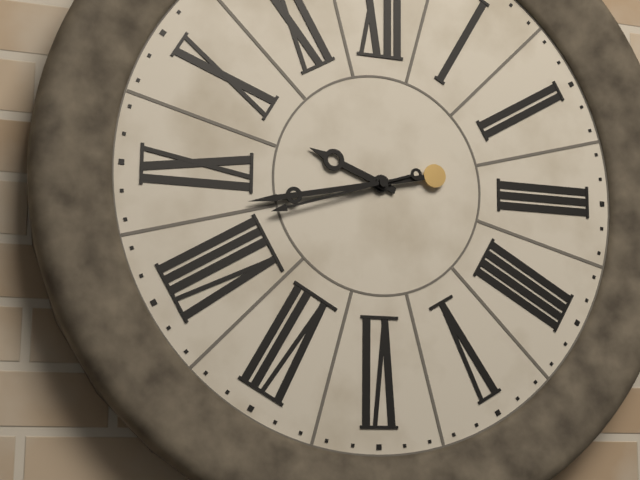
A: 9 h 43 min 42 s
